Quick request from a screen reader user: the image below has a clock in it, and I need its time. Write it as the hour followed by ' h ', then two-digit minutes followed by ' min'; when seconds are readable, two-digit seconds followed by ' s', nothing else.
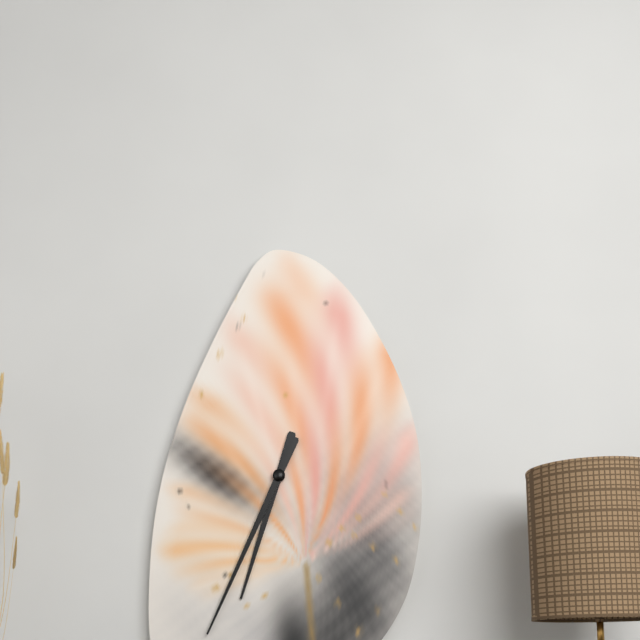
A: 6 h 34 min
